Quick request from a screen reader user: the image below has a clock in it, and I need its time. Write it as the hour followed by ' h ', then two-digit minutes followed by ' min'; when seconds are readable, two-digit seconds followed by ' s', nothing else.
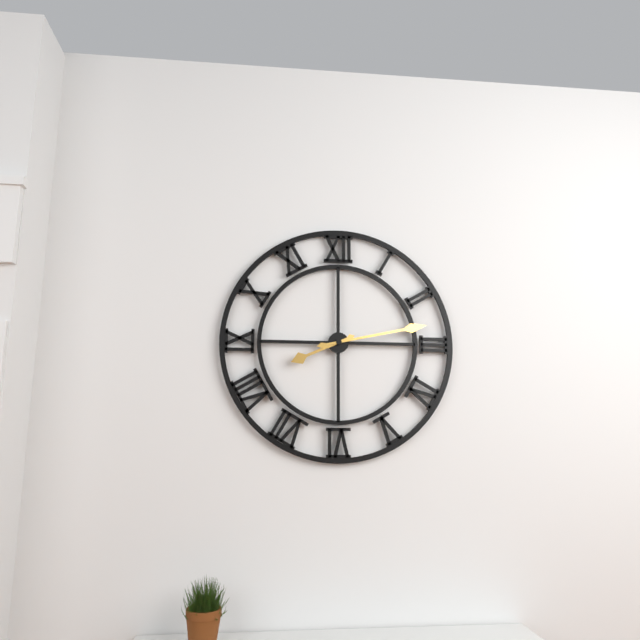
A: 8 h 13 min
